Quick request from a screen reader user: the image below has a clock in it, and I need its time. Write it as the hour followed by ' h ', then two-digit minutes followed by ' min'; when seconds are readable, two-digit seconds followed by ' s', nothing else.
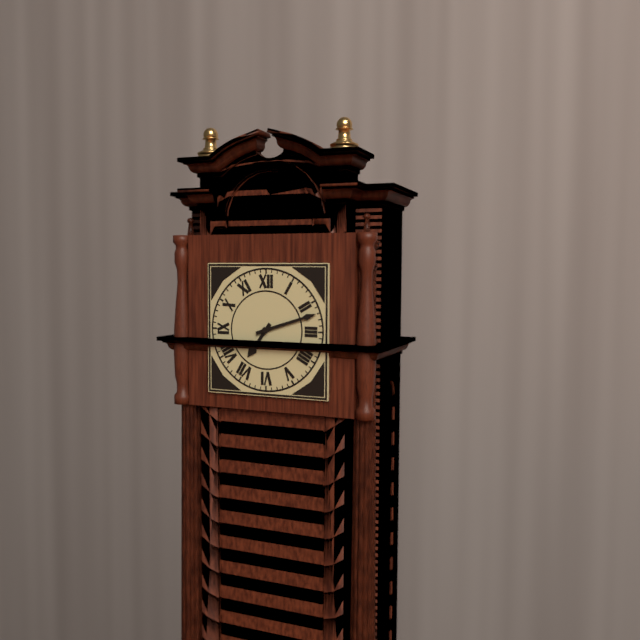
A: 7 h 12 min
